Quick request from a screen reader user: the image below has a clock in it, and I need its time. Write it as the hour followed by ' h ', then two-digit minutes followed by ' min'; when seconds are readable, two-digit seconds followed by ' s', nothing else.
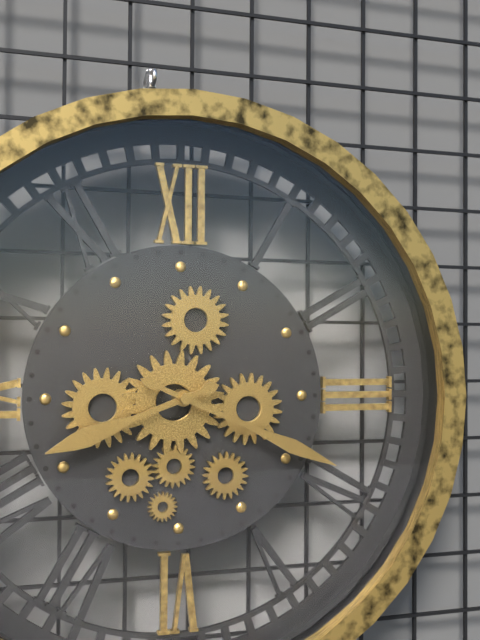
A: 8 h 19 min
